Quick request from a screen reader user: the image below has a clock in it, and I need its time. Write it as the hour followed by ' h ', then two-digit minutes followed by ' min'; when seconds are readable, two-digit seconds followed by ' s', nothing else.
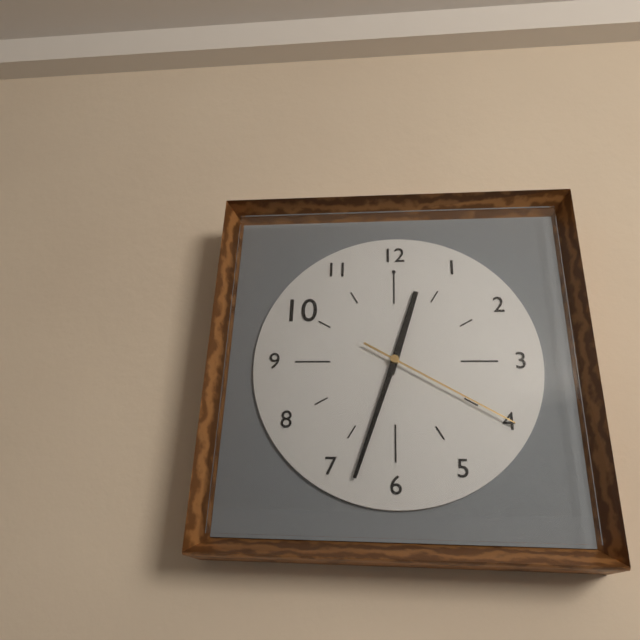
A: 12 h 33 min 20 s
